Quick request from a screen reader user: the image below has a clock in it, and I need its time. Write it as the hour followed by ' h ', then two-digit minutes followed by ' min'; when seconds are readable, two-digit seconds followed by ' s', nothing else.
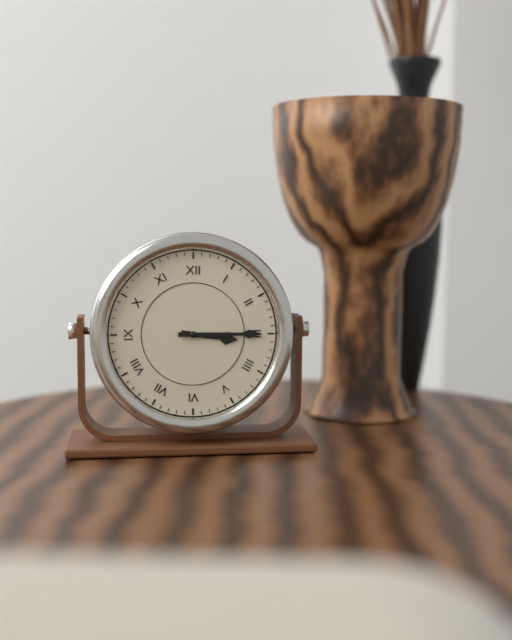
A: 3 h 15 min
